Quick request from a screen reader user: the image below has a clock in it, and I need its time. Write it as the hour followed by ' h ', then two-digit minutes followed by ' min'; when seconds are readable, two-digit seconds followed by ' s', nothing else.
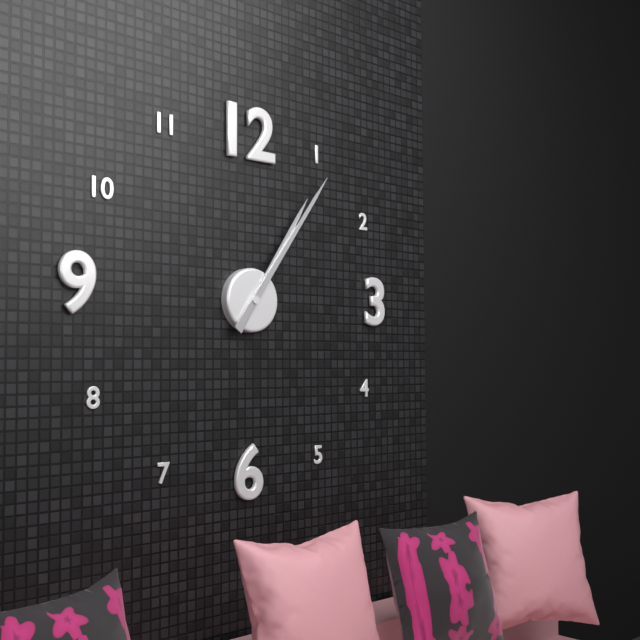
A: 1 h 06 min
